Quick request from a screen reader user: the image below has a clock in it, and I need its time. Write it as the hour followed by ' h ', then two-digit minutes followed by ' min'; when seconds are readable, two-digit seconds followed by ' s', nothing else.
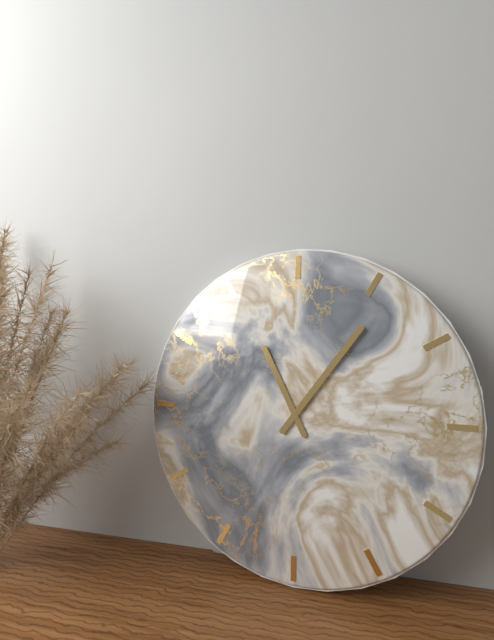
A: 11 h 06 min
